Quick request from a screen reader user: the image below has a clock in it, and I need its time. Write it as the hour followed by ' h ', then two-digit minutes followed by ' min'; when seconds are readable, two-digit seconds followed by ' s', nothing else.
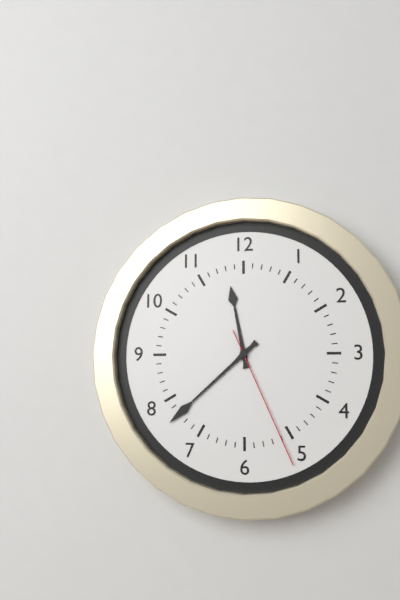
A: 11 h 38 min 26 s
